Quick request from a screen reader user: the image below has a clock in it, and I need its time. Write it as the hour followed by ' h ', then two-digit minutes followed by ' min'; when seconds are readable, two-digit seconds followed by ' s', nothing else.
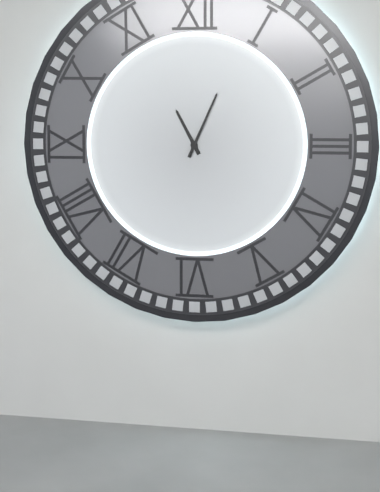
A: 11 h 04 min
